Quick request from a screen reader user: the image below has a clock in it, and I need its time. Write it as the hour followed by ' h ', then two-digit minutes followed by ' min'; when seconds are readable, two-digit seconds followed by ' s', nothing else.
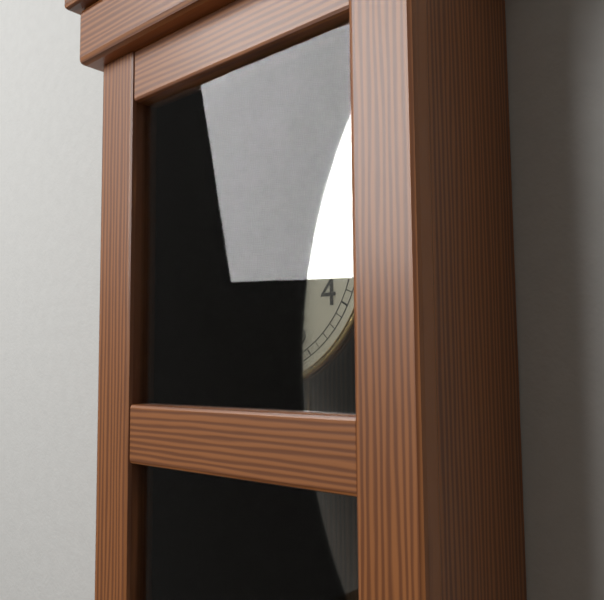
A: 5 h 43 min
